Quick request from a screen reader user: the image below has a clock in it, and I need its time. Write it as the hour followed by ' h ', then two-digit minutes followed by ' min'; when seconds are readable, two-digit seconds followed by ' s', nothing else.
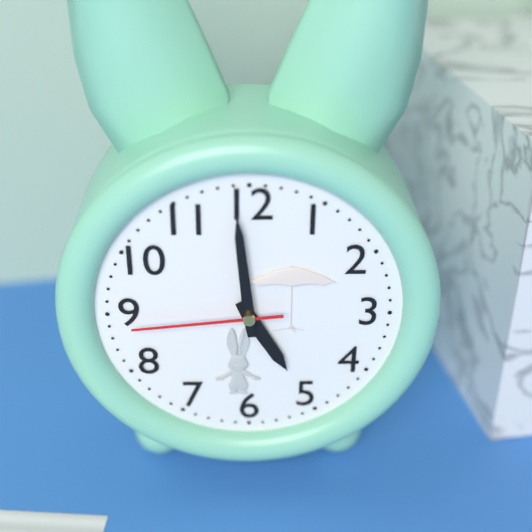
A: 4 h 59 min 44 s
